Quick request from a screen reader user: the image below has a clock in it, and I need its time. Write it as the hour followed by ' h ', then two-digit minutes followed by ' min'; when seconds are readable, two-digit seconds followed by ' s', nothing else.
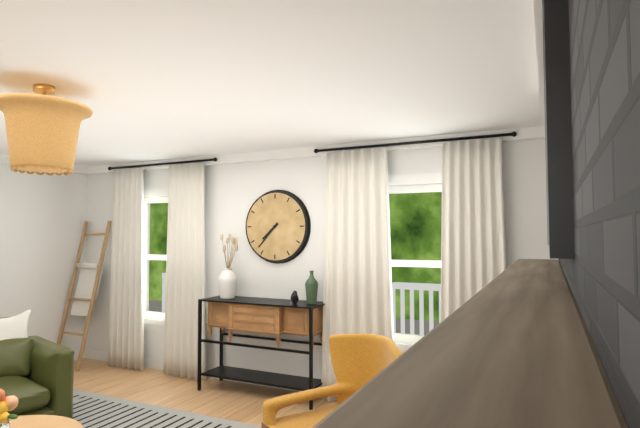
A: 7 h 37 min
